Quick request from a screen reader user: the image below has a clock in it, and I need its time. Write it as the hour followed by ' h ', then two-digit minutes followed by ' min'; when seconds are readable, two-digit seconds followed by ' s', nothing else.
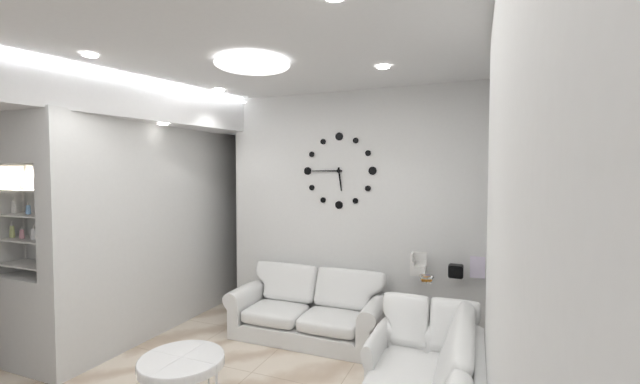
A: 5 h 45 min
